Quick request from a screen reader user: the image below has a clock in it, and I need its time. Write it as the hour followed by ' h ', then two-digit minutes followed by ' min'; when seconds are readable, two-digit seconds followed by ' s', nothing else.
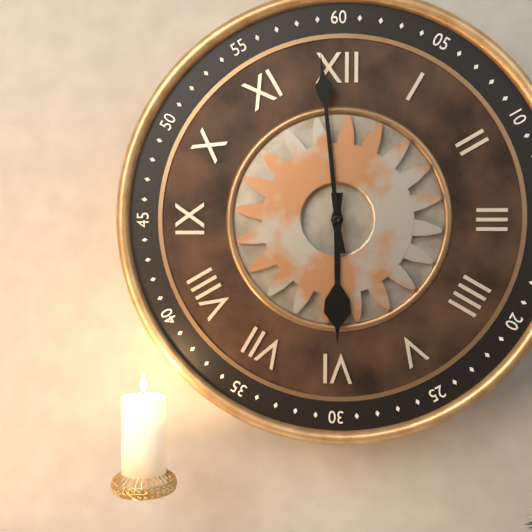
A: 5 h 59 min
